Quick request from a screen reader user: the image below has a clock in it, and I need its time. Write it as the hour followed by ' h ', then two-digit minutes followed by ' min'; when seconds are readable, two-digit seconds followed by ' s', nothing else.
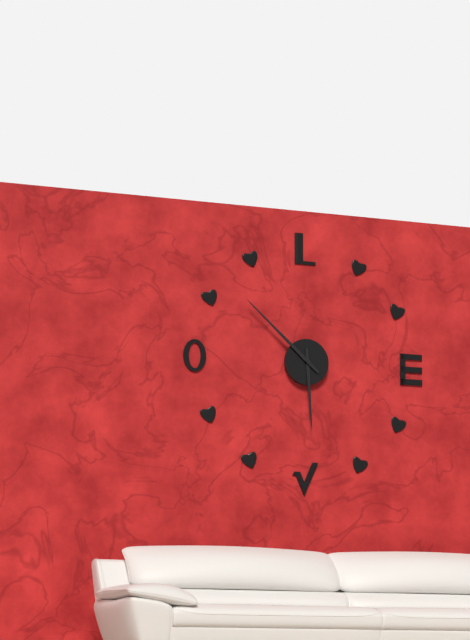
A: 5 h 52 min
